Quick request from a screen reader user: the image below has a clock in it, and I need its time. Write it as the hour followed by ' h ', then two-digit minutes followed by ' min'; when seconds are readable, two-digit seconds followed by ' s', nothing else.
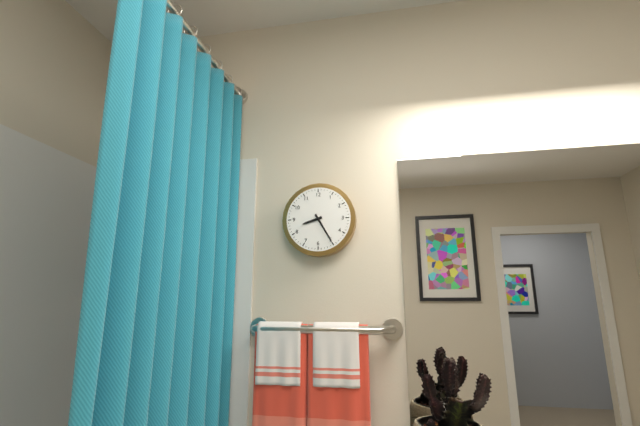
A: 8 h 25 min
